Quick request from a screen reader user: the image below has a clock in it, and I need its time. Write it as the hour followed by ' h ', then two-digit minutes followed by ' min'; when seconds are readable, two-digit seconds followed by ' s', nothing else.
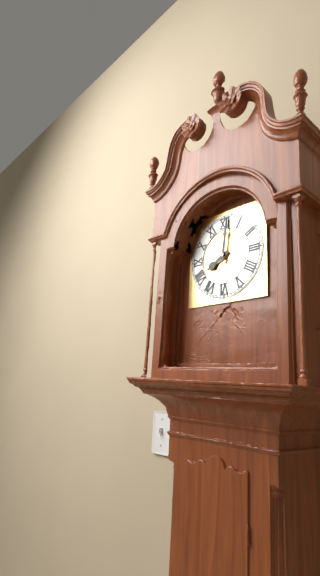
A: 8 h 01 min
